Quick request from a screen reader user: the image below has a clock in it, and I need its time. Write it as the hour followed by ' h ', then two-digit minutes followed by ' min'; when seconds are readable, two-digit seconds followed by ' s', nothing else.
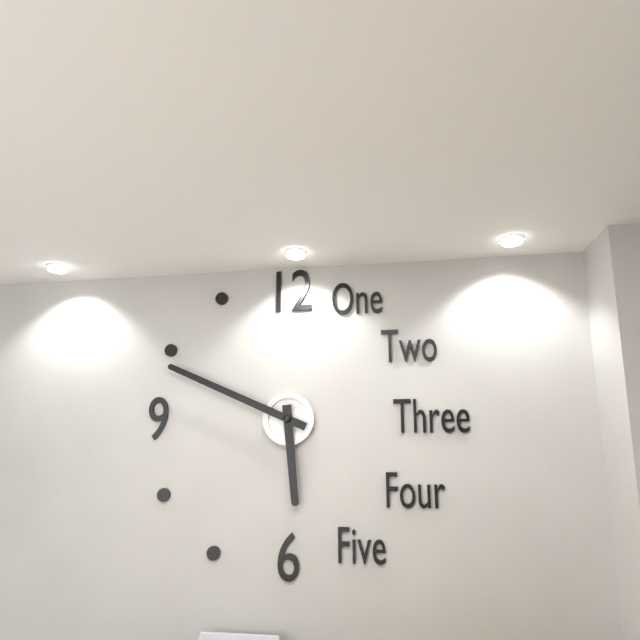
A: 5 h 49 min
